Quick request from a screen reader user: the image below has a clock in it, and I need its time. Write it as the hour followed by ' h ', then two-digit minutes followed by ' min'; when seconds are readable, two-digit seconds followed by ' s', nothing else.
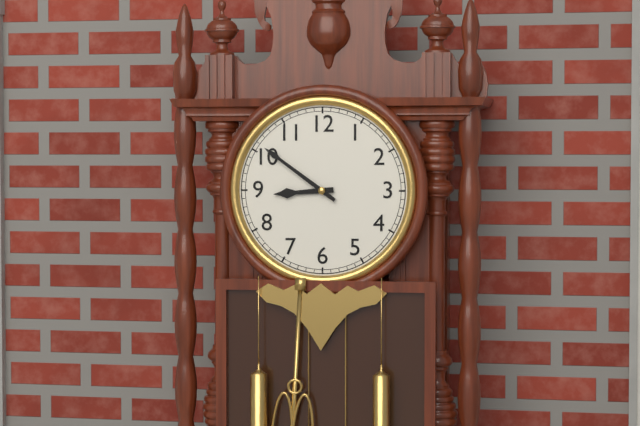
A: 8 h 51 min
